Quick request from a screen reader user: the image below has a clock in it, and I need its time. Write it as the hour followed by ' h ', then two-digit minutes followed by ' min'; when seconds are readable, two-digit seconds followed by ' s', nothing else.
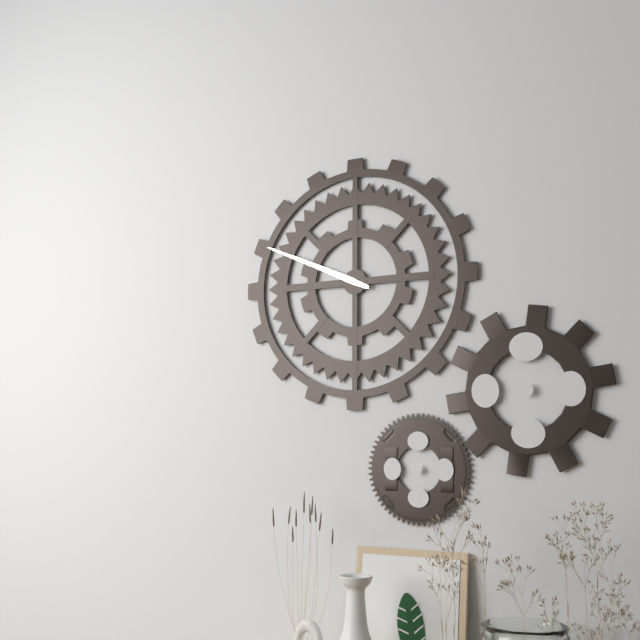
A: 9 h 49 min
